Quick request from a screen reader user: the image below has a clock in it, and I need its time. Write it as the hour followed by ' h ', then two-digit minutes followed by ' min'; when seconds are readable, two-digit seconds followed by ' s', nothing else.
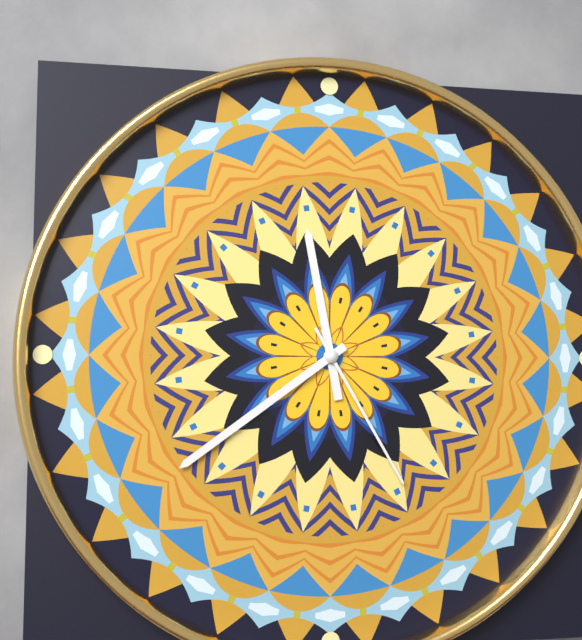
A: 11 h 39 min 25 s
